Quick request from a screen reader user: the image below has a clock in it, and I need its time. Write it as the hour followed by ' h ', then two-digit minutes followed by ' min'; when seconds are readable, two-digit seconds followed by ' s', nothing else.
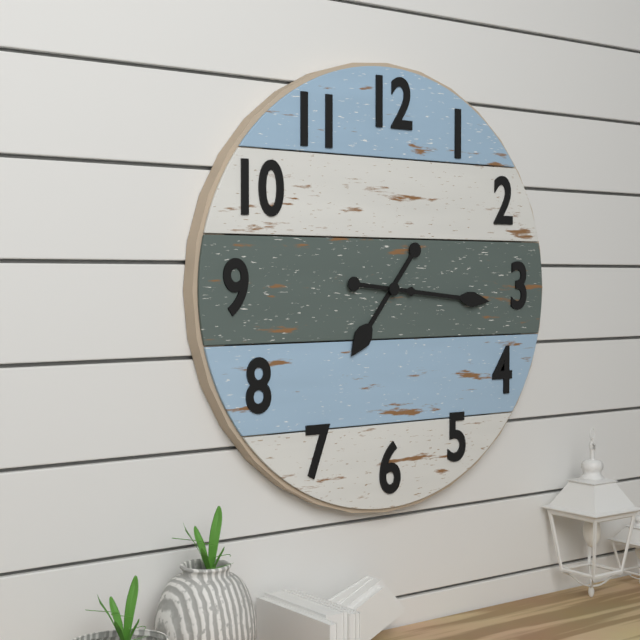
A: 7 h 16 min
